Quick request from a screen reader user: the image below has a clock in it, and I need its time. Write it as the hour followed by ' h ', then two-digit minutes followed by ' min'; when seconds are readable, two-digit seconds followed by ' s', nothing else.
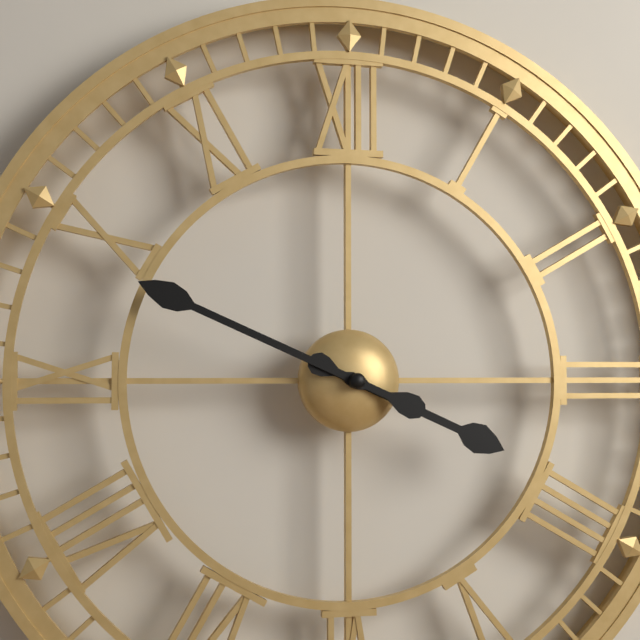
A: 3 h 49 min
